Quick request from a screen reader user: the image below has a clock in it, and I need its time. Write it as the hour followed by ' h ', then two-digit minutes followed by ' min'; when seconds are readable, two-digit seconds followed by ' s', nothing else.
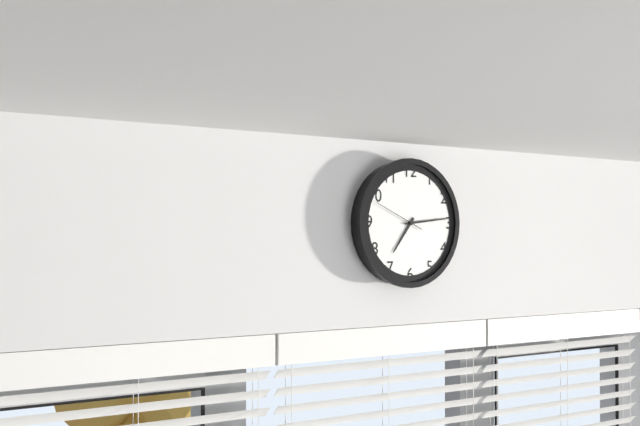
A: 7 h 14 min 49 s
